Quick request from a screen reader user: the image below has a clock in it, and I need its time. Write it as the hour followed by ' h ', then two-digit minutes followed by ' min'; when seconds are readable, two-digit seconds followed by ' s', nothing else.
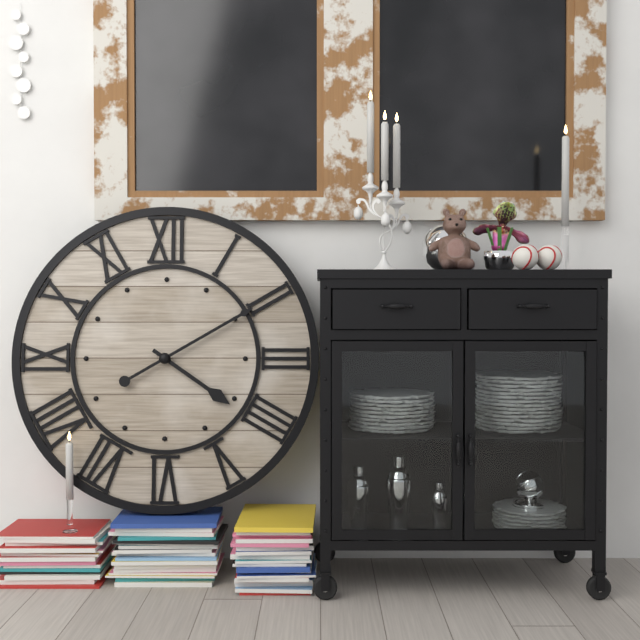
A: 4 h 10 min
